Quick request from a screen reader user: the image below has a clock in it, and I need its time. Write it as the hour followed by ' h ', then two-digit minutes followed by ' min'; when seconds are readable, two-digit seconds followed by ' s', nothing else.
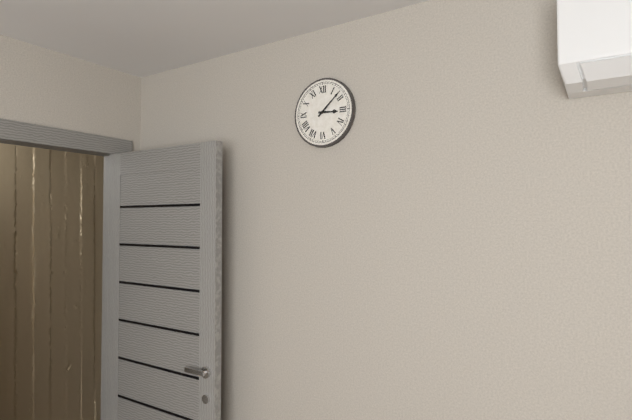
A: 3 h 08 min
